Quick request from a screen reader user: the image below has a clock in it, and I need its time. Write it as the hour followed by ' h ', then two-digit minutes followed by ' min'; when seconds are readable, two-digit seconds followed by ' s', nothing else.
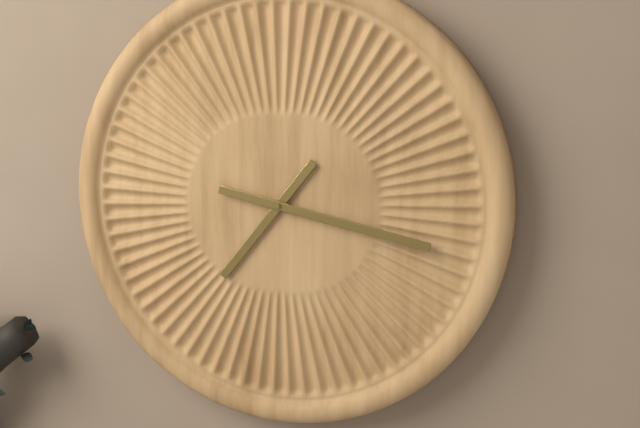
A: 7 h 17 min
